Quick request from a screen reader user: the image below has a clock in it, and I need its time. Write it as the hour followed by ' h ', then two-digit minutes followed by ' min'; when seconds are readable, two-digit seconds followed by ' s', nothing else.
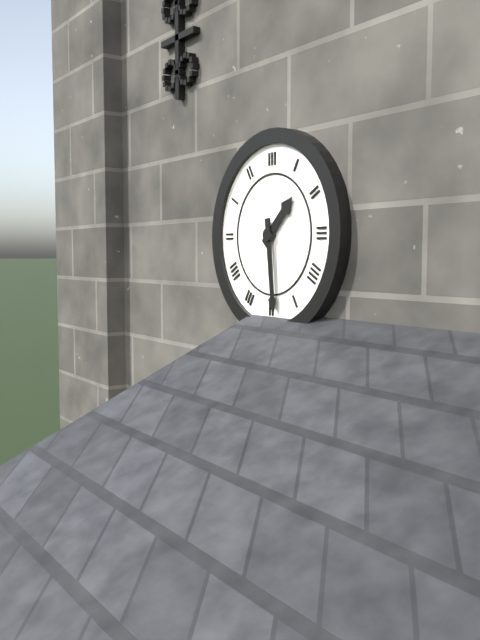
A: 1 h 29 min
